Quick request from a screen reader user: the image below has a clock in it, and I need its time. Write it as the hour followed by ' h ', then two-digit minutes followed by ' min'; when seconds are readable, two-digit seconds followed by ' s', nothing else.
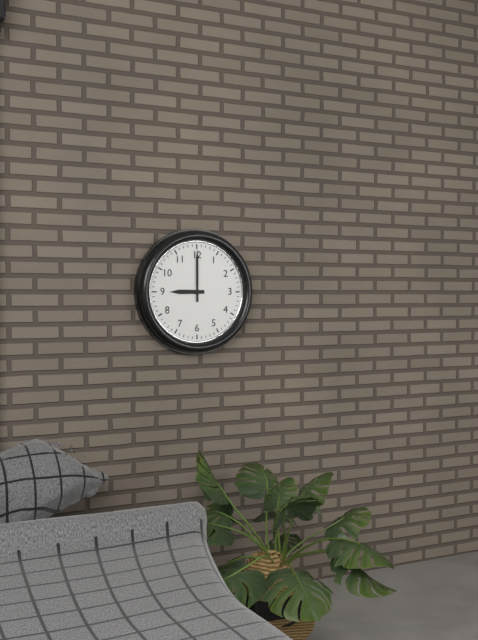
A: 9 h 00 min
